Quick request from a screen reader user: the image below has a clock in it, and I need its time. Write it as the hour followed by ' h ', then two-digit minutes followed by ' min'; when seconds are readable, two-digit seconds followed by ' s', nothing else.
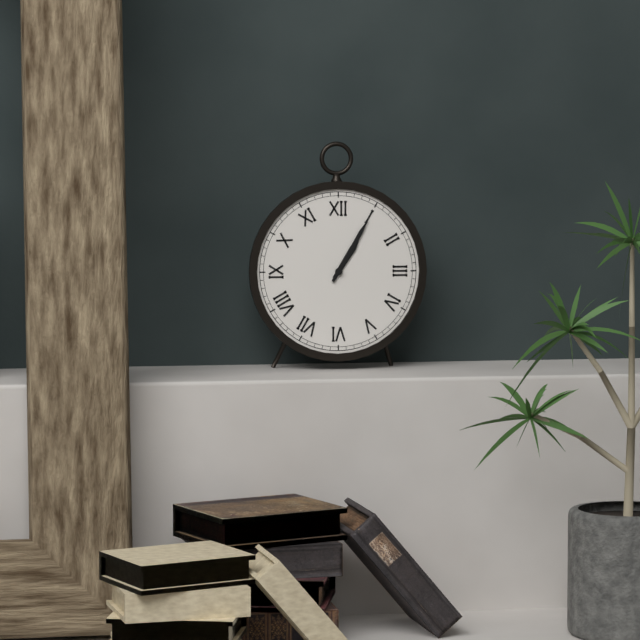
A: 1 h 05 min
